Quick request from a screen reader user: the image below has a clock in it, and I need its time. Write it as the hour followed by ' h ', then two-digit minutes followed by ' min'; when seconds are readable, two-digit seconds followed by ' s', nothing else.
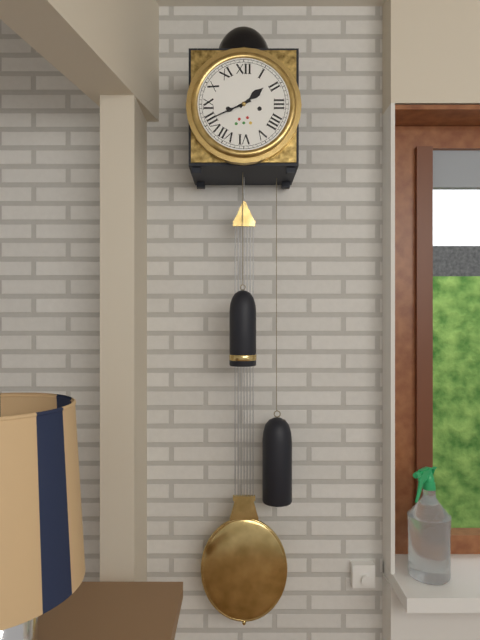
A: 1 h 41 min
